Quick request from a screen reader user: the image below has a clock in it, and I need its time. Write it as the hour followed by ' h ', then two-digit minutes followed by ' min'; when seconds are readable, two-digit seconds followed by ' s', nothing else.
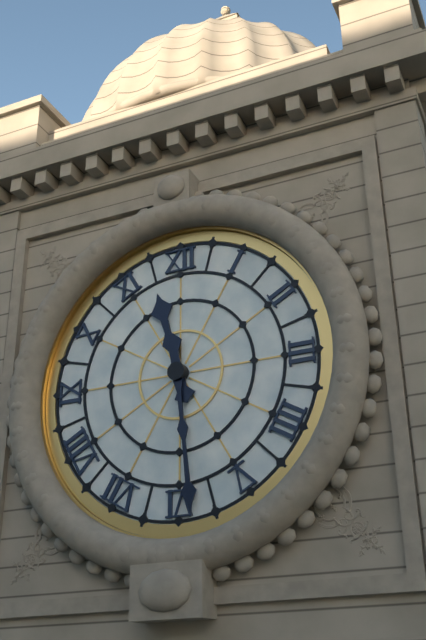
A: 11 h 29 min
